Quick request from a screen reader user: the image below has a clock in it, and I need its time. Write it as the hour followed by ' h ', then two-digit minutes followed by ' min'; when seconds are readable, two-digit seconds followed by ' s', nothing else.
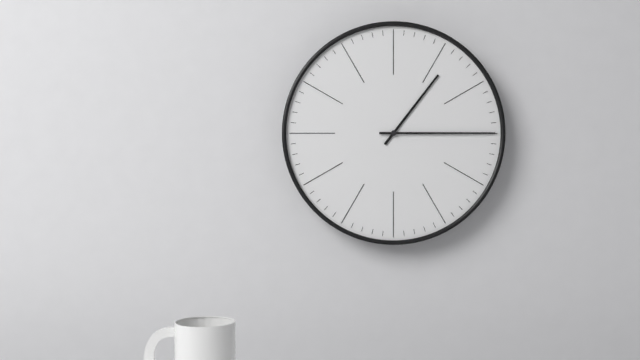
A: 1 h 15 min
